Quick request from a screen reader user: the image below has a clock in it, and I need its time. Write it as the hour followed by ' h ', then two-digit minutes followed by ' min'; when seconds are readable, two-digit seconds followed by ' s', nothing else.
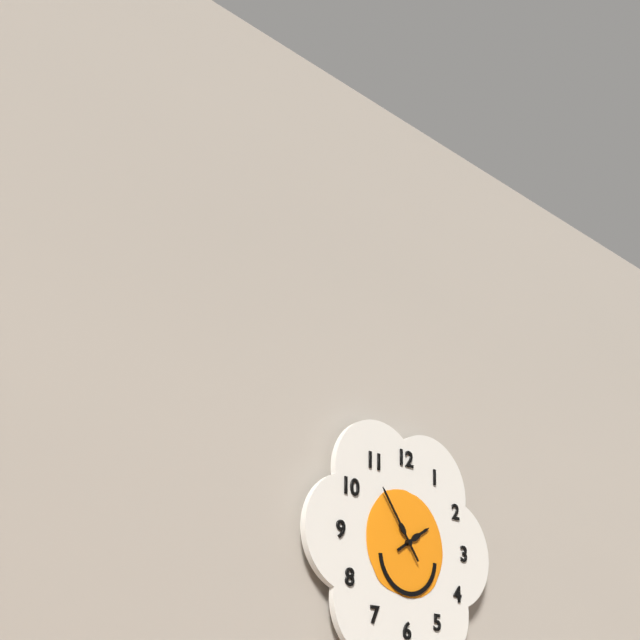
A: 1 h 54 min
